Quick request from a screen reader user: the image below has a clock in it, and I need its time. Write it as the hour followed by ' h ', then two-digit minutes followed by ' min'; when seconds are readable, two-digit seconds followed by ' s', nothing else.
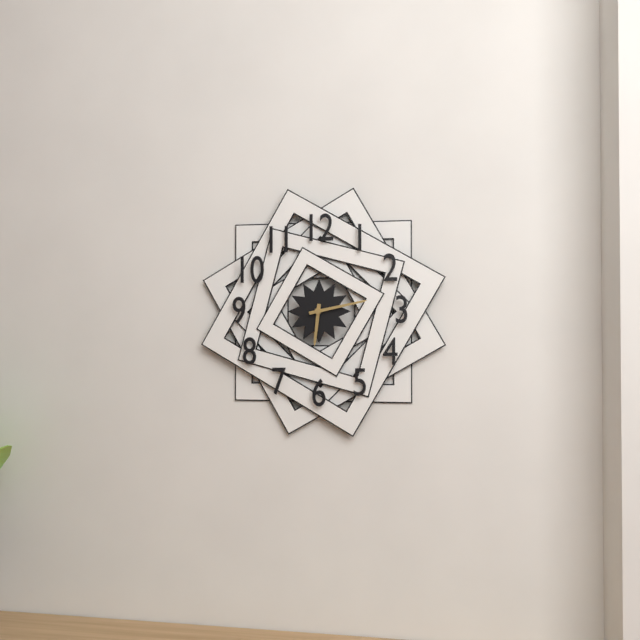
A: 6 h 13 min
